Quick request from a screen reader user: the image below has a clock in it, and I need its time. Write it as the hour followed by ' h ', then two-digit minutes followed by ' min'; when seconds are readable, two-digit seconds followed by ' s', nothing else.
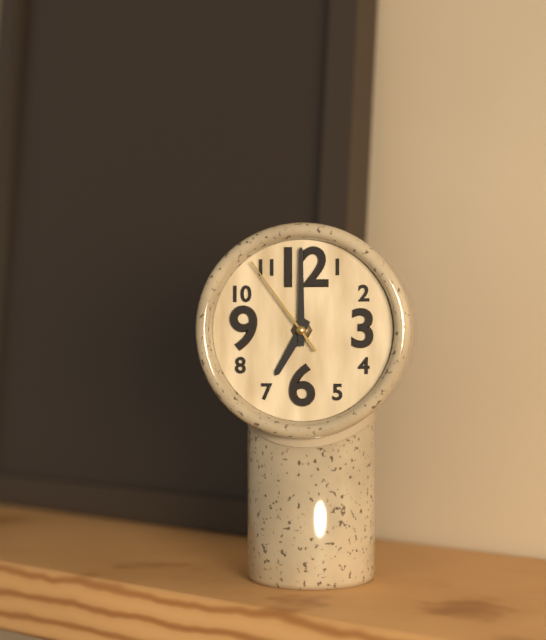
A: 7 h 00 min 54 s
